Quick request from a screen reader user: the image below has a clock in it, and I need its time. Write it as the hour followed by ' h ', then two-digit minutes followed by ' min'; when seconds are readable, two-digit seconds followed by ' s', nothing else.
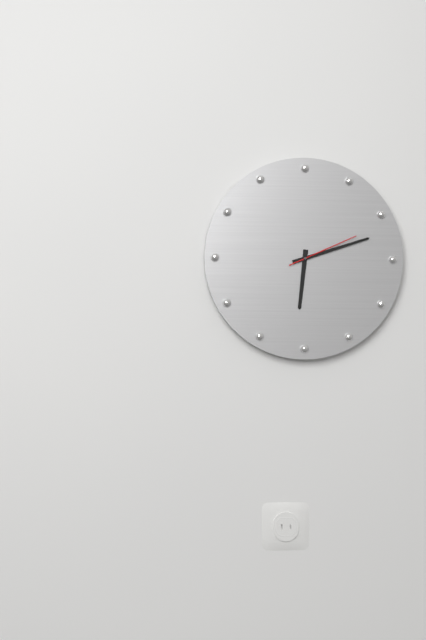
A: 6 h 12 min 11 s
